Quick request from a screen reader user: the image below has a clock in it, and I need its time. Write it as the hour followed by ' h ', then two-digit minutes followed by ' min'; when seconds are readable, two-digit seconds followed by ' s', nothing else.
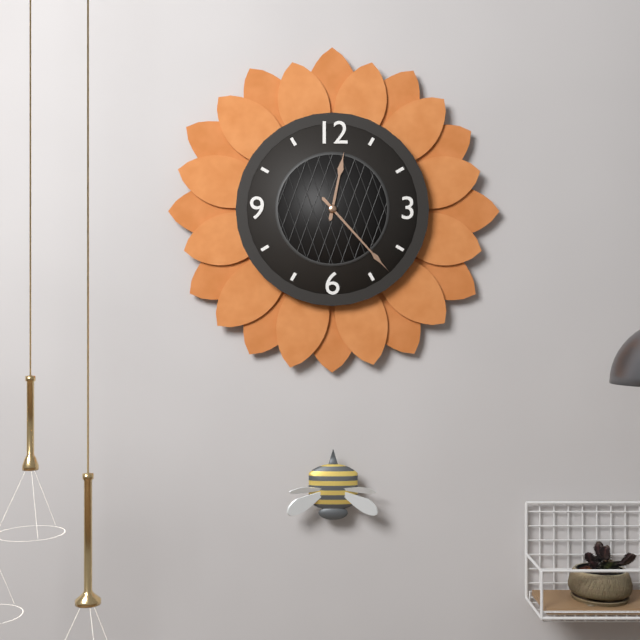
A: 12 h 23 min
